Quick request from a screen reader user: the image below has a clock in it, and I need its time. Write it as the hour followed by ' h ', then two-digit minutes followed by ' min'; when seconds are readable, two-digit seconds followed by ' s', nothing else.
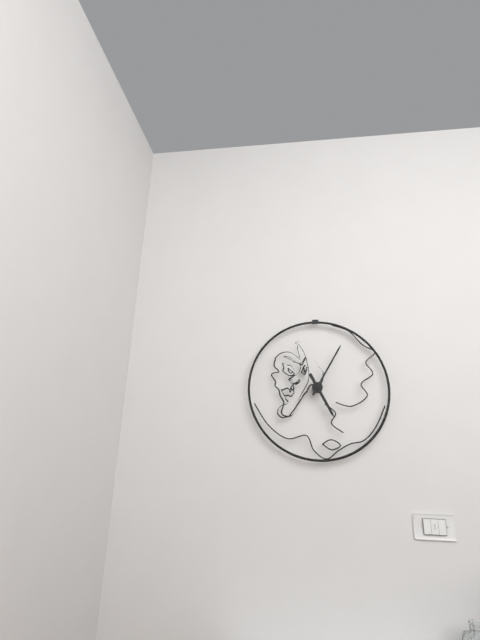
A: 5 h 05 min
